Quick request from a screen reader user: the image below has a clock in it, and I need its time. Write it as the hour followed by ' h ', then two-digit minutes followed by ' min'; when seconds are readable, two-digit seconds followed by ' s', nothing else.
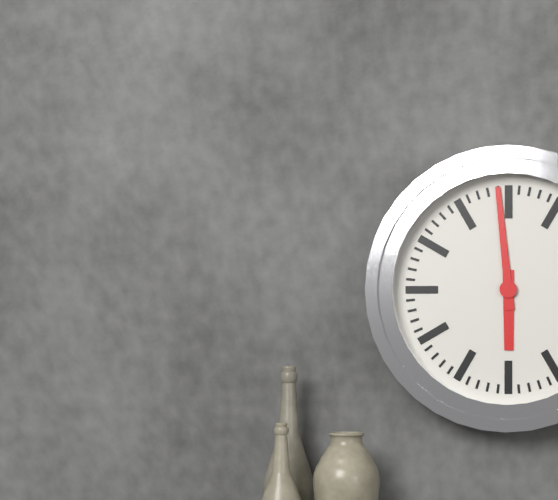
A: 5 h 59 min
